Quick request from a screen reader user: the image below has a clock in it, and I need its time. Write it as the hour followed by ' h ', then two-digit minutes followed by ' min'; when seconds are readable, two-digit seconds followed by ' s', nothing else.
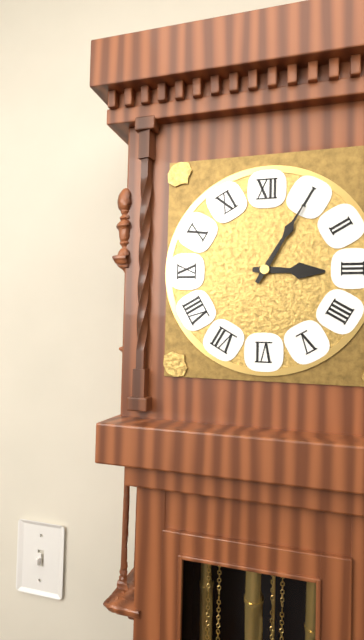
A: 3 h 05 min
